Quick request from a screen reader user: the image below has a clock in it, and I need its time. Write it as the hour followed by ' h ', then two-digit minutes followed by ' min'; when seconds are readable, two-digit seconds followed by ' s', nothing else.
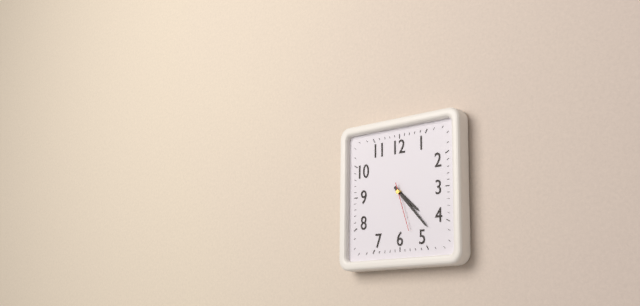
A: 4 h 23 min 27 s
